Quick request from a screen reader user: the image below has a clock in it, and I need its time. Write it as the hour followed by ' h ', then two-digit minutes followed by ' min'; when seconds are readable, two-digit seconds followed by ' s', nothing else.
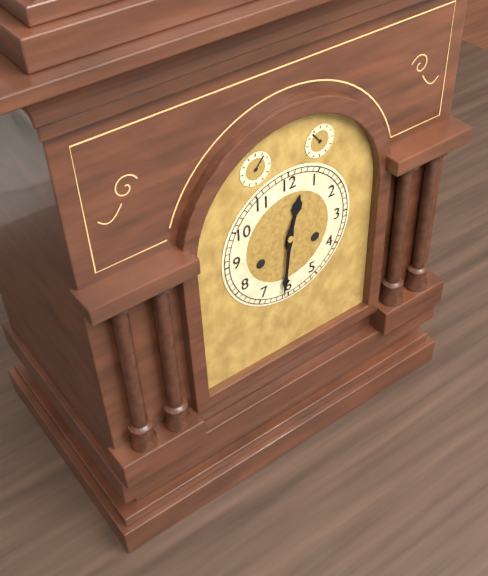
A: 12 h 31 min
